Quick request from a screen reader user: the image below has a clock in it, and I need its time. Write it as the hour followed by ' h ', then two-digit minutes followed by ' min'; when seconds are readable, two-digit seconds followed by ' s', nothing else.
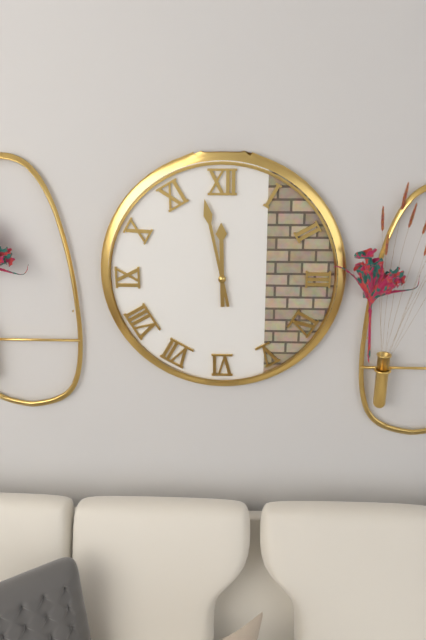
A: 11 h 58 min
